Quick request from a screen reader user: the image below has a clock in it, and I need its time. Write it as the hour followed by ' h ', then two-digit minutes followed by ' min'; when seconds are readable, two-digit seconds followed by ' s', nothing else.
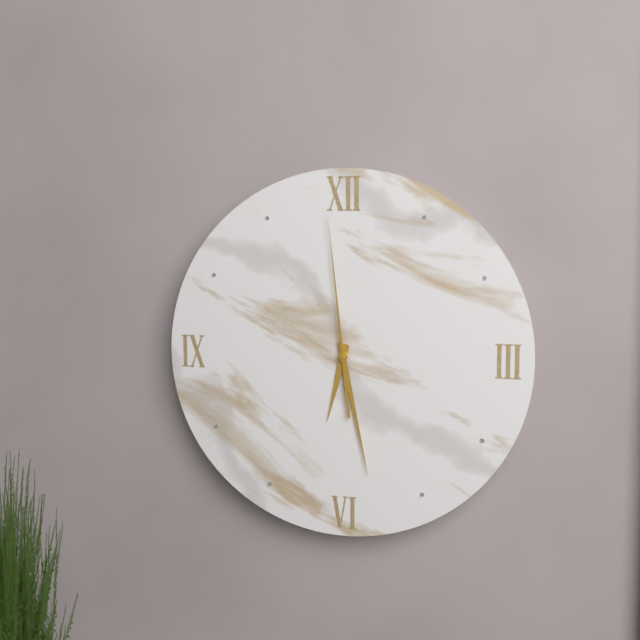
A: 6 h 28 min 59 s
